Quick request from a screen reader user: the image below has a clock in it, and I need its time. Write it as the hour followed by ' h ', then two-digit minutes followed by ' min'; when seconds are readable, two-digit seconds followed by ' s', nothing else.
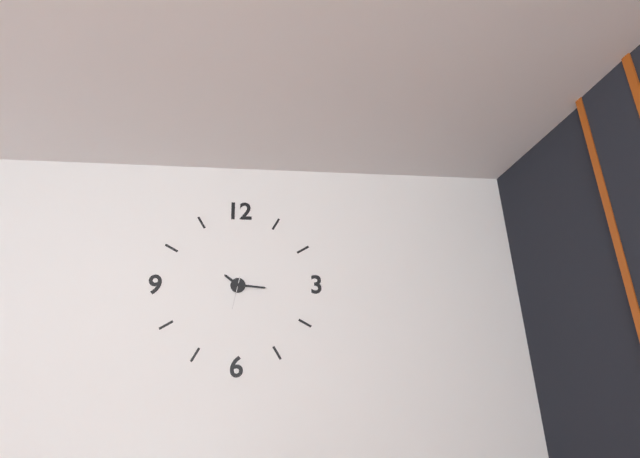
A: 10 h 16 min
